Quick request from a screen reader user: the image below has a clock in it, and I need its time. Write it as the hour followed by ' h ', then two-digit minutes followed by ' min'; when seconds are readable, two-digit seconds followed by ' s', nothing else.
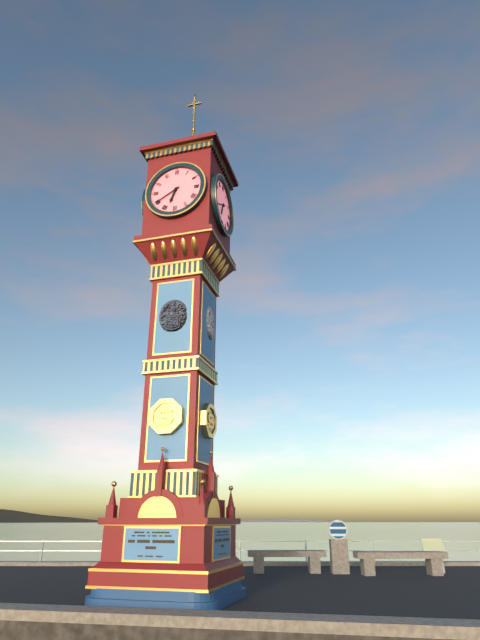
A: 6 h 40 min
